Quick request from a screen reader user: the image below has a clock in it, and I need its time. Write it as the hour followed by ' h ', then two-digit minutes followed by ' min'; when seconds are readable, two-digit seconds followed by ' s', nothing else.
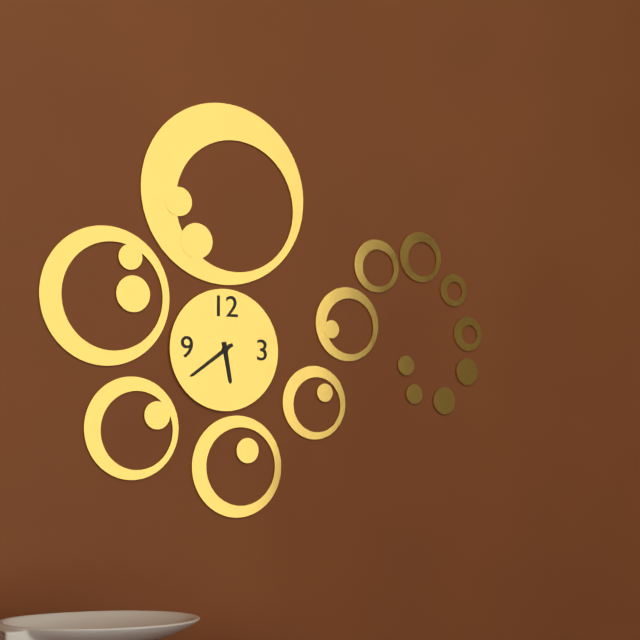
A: 5 h 39 min
